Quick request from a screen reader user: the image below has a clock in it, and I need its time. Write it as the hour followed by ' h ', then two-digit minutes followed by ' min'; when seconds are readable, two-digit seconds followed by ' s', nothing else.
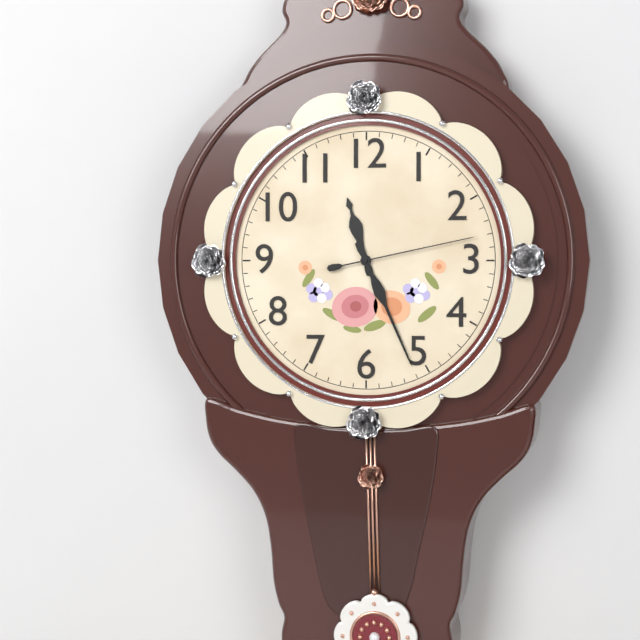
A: 11 h 26 min 13 s
